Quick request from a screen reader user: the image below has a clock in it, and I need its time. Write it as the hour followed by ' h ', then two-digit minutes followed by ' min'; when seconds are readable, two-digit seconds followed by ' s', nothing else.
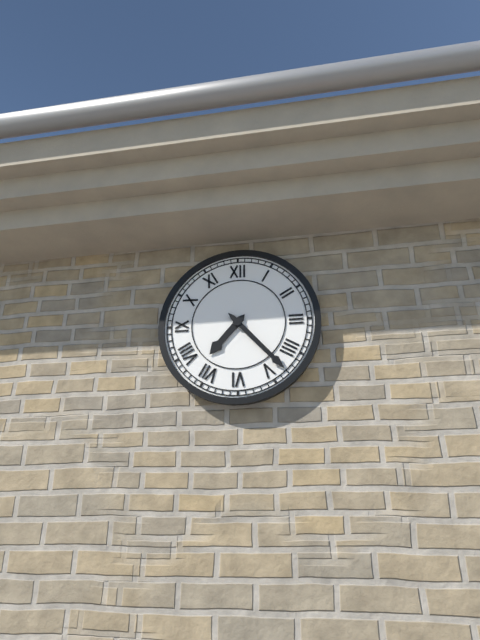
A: 7 h 23 min
